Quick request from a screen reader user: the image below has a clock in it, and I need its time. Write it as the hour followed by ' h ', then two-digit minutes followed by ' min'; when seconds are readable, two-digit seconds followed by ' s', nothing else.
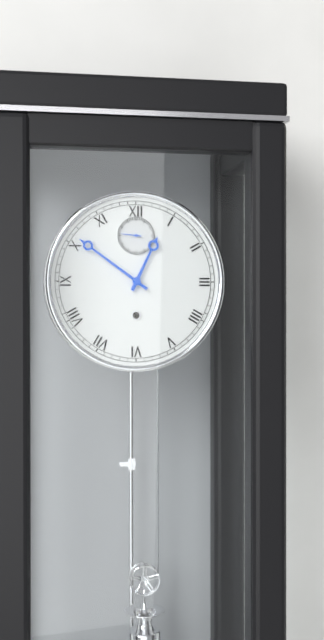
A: 12 h 51 min
